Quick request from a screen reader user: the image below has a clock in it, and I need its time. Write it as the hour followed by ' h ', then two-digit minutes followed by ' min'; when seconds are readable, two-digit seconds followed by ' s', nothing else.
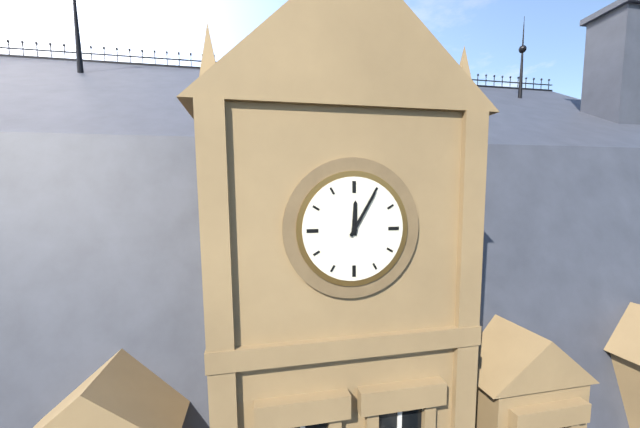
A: 12 h 05 min
